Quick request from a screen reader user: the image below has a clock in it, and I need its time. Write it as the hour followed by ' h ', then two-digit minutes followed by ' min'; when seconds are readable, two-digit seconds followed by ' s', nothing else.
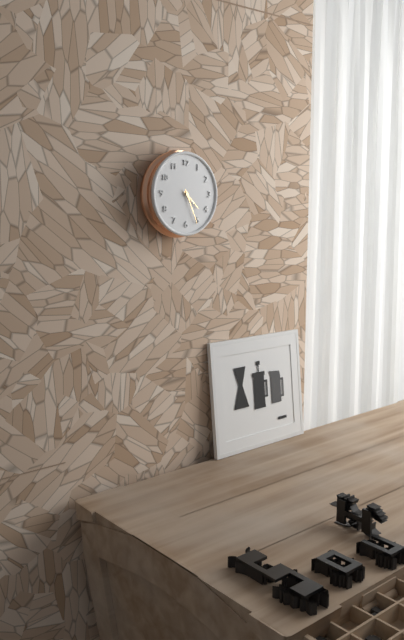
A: 4 h 26 min
